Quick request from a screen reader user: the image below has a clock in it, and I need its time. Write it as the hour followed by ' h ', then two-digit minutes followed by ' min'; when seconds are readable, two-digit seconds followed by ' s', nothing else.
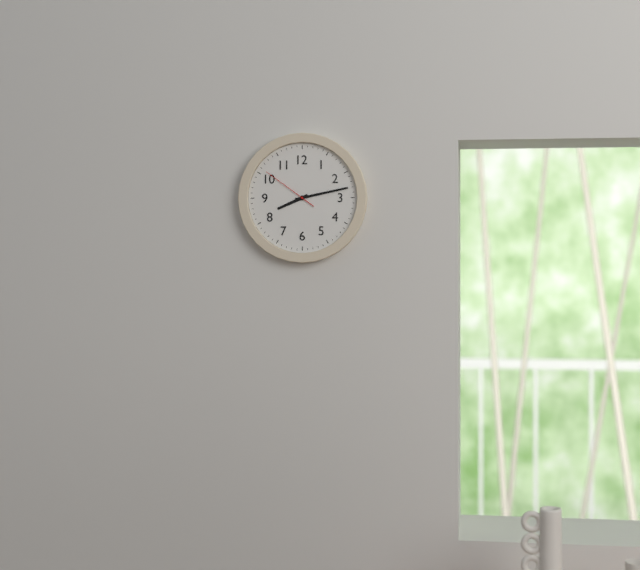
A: 8 h 13 min 51 s
